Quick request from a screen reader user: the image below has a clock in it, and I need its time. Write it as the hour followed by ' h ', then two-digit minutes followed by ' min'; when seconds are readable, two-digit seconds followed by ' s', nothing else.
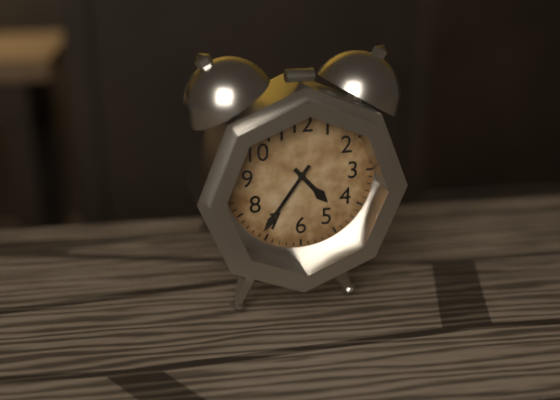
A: 4 h 36 min
